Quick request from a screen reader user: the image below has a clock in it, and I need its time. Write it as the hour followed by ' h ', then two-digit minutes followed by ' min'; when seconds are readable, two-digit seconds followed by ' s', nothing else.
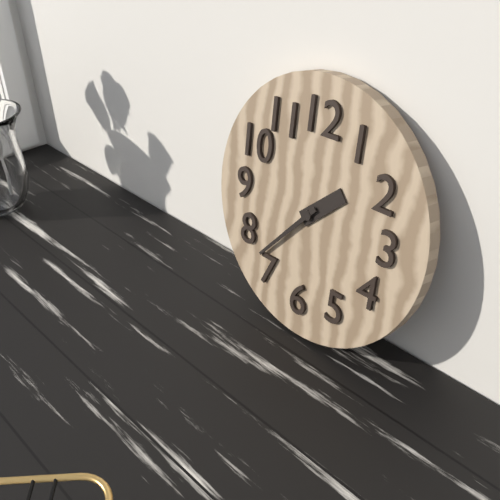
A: 1 h 37 min
